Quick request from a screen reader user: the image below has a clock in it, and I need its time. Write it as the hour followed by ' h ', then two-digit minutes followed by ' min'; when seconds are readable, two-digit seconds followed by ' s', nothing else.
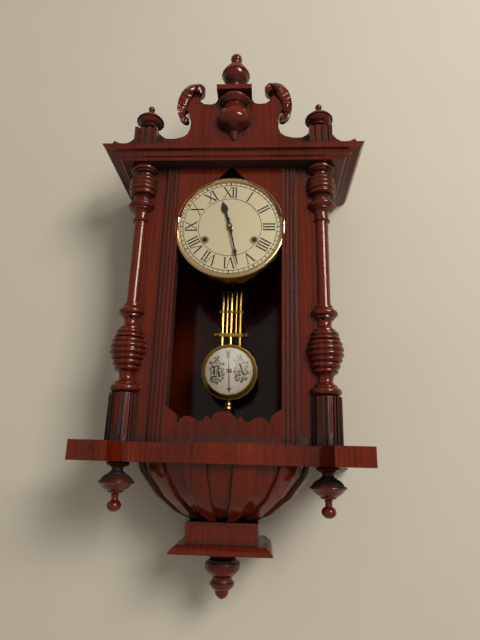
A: 11 h 28 min
